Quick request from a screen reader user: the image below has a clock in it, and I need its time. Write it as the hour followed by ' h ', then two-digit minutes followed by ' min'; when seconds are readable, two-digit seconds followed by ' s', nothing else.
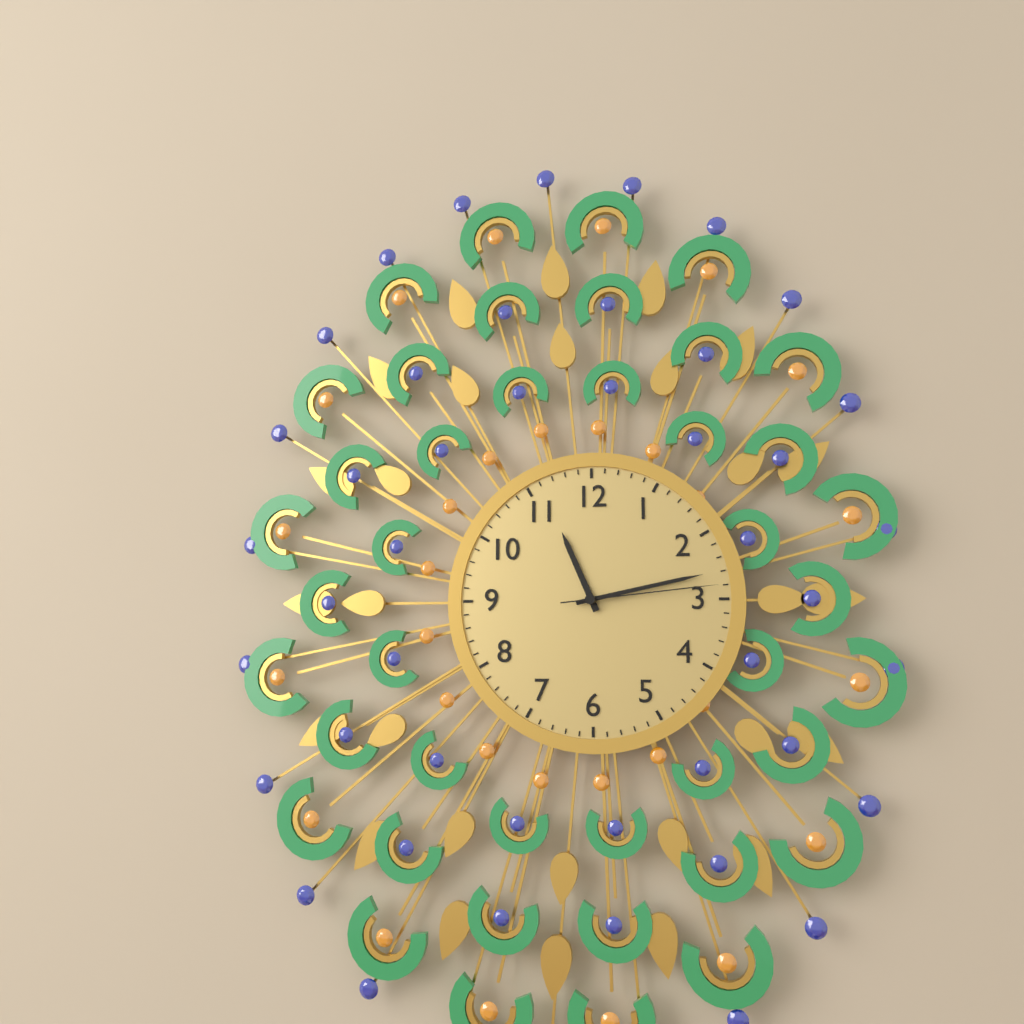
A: 11 h 13 min 14 s
